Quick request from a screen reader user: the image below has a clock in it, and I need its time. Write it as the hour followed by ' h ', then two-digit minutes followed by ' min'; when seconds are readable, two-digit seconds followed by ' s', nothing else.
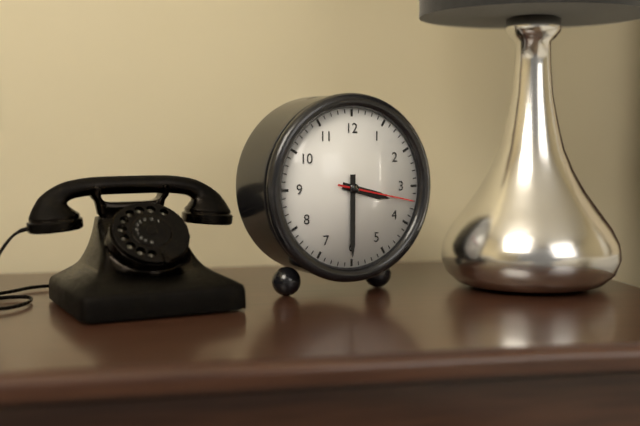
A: 3 h 30 min 17 s
